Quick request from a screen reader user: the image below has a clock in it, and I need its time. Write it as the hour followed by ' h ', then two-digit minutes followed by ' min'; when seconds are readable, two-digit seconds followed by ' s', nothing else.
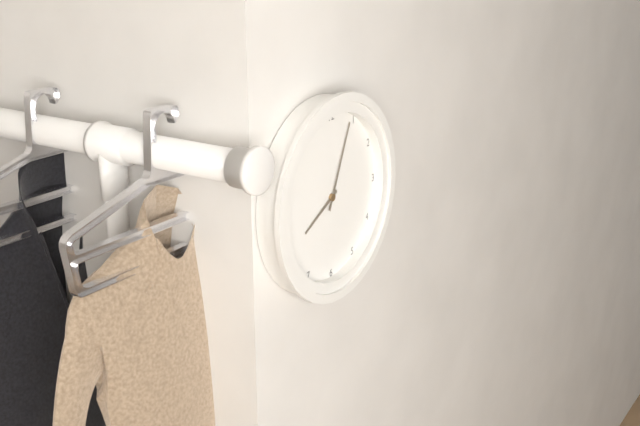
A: 8 h 04 min
